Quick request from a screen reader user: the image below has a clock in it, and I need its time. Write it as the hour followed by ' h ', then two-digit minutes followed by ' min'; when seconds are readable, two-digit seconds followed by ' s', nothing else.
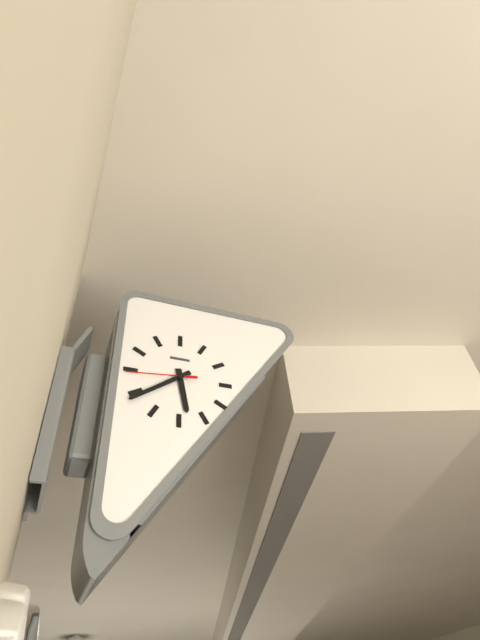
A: 5 h 39 min 44 s
